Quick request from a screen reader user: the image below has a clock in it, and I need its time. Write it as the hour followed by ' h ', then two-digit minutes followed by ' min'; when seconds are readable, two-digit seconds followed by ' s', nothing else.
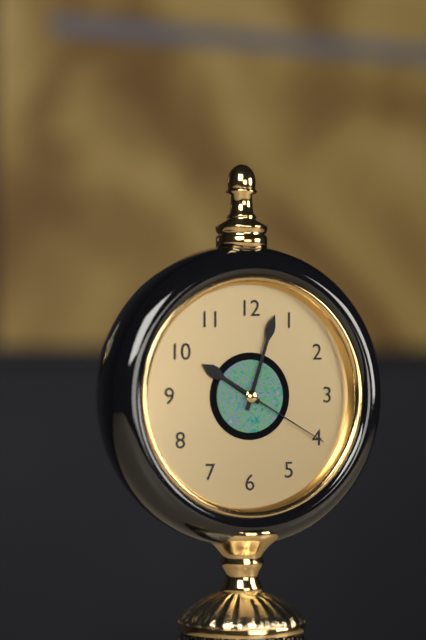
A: 10 h 03 min 20 s
